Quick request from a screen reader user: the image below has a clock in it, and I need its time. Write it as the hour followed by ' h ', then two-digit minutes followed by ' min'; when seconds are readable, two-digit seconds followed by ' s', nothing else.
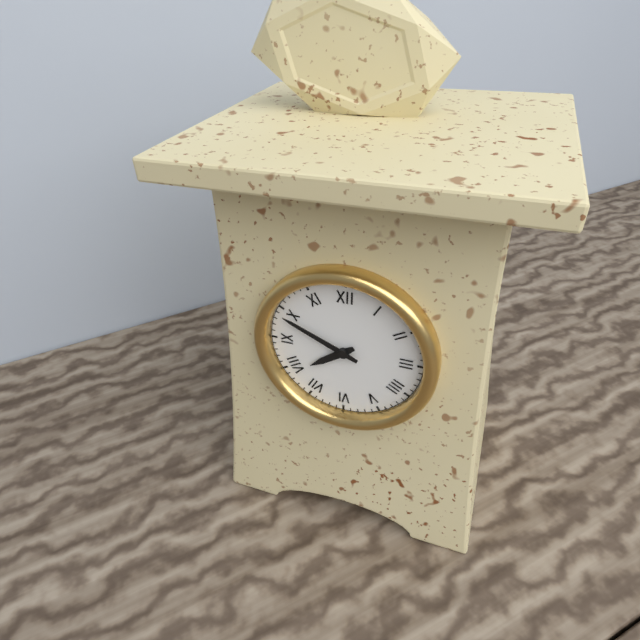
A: 7 h 49 min
